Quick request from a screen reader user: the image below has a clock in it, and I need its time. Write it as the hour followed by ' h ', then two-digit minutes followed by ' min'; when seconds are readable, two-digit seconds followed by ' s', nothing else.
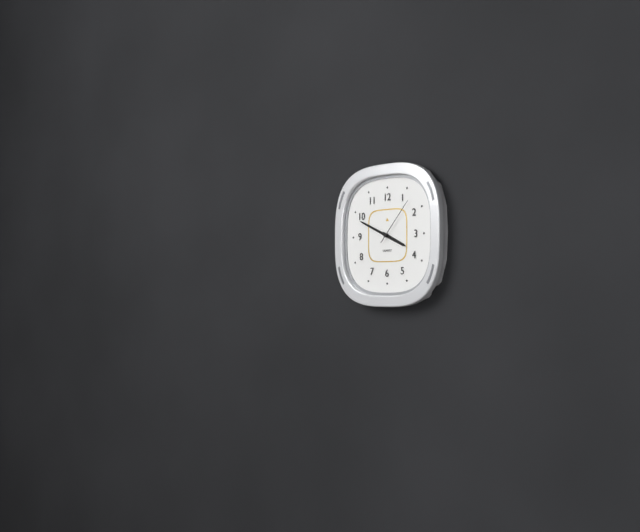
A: 3 h 49 min 07 s
